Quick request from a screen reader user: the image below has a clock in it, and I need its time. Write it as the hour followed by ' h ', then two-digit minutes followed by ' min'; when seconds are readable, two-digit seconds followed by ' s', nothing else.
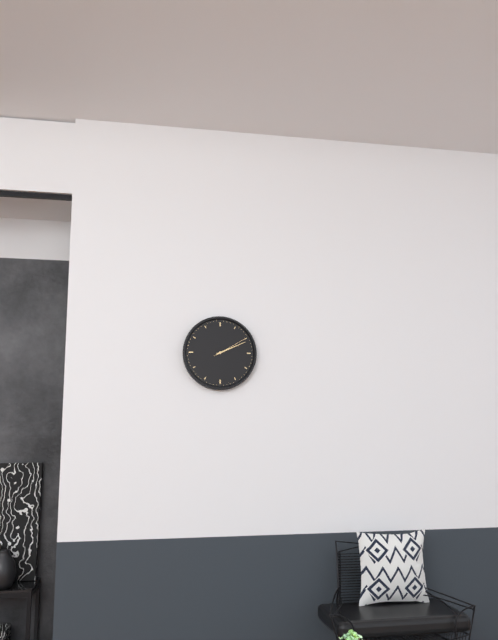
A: 2 h 11 min
